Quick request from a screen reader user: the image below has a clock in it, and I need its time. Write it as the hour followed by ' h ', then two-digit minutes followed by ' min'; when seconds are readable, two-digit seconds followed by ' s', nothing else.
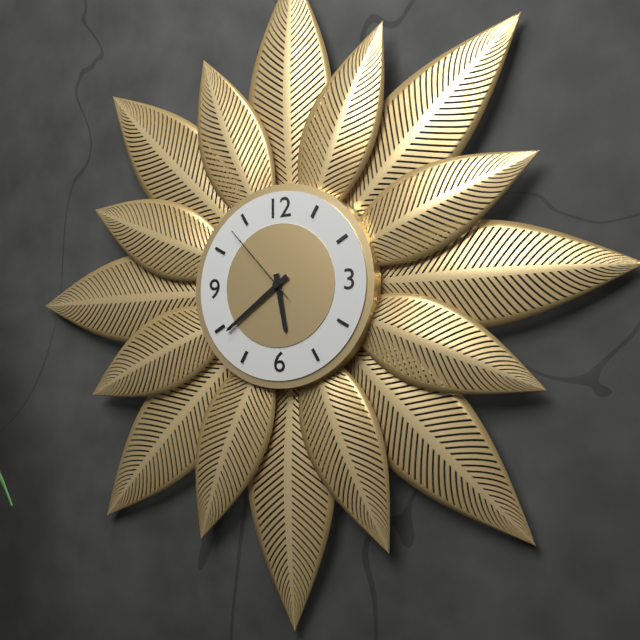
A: 5 h 39 min 53 s
